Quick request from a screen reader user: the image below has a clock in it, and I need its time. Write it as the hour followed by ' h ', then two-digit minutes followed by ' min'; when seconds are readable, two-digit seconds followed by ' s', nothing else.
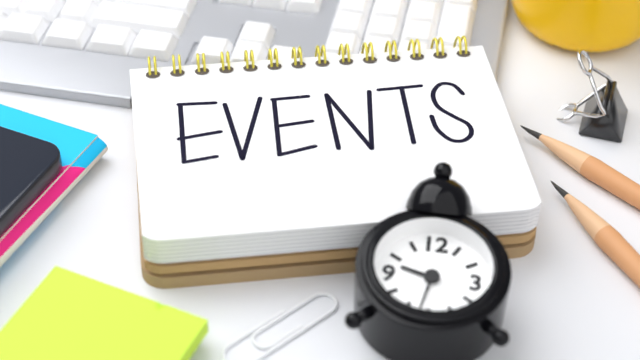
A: 9 h 32 min
